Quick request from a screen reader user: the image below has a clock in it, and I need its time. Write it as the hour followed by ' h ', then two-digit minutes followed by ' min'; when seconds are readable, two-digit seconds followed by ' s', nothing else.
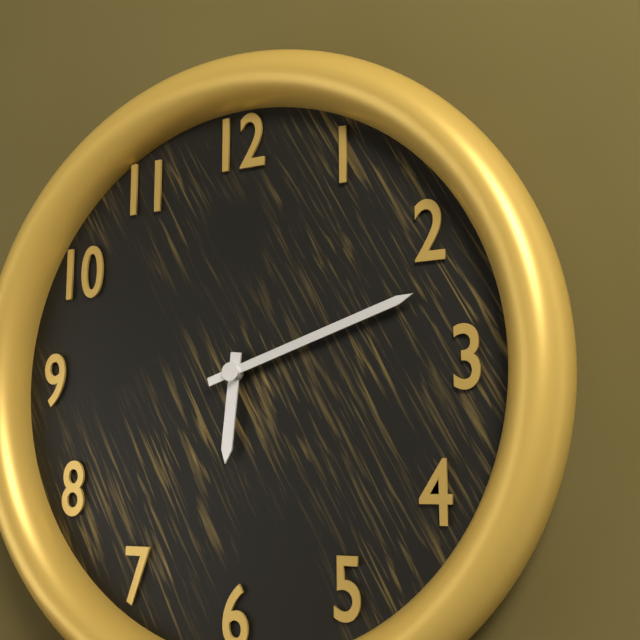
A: 6 h 12 min
